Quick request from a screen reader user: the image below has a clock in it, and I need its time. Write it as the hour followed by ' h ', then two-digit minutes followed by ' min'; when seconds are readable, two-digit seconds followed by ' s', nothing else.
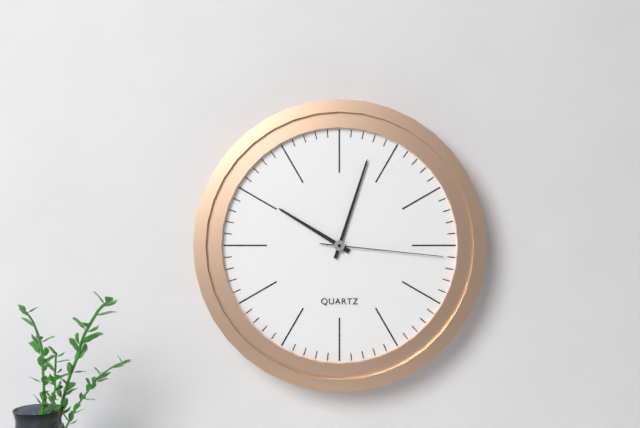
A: 10 h 03 min 16 s
